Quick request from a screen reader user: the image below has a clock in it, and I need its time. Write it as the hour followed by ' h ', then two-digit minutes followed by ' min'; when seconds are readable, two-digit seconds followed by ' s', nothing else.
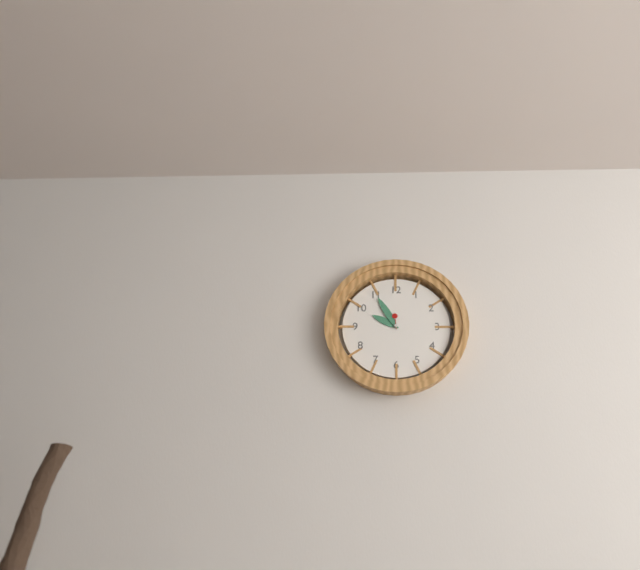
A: 9 h 55 min
